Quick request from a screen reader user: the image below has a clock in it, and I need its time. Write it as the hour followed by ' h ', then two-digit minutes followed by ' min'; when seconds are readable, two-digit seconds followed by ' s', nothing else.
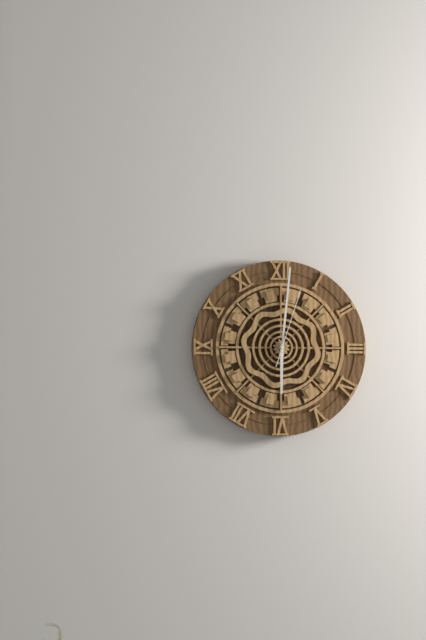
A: 6 h 01 min 03 s
